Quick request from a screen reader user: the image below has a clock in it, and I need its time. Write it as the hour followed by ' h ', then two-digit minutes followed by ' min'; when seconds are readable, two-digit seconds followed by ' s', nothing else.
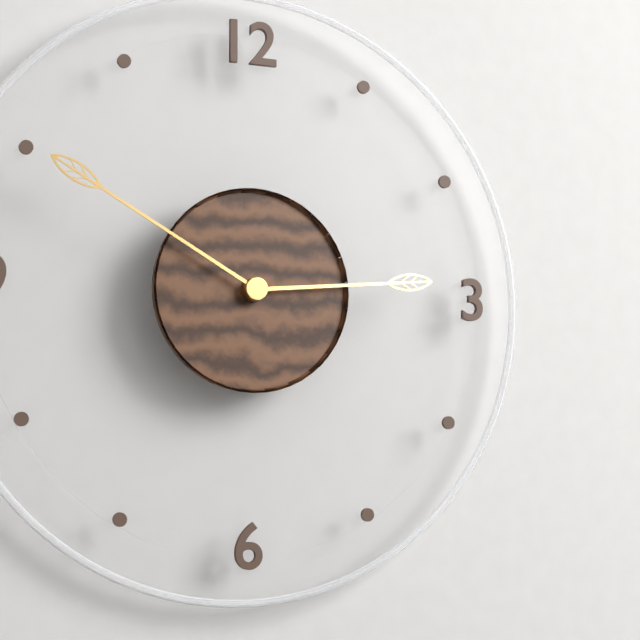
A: 2 h 50 min
